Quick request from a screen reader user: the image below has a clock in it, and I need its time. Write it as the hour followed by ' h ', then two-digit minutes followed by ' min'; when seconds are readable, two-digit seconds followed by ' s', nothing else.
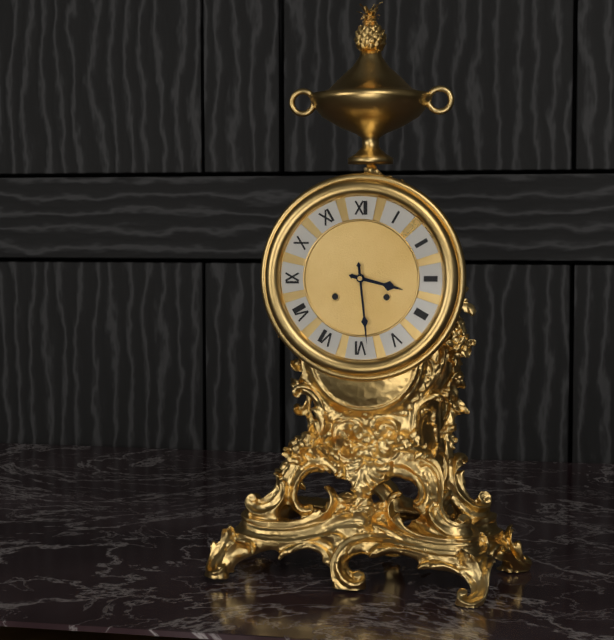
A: 3 h 29 min
